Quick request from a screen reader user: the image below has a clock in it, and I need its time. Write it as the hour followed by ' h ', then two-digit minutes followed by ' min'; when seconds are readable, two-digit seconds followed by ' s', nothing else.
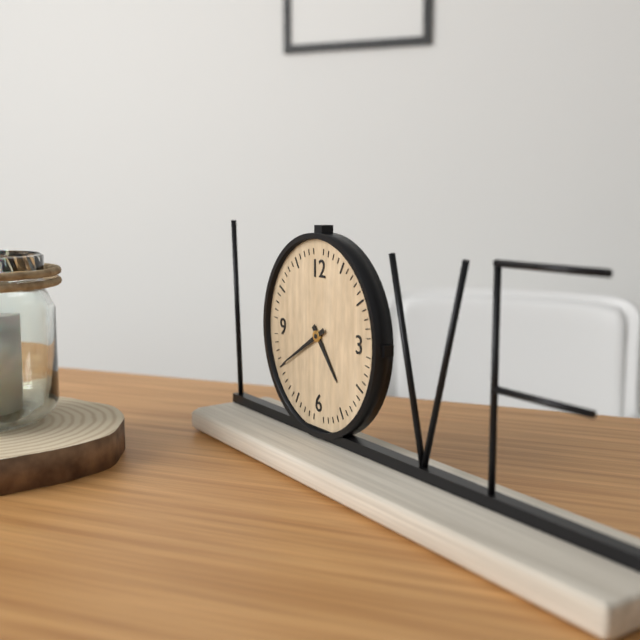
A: 4 h 40 min
